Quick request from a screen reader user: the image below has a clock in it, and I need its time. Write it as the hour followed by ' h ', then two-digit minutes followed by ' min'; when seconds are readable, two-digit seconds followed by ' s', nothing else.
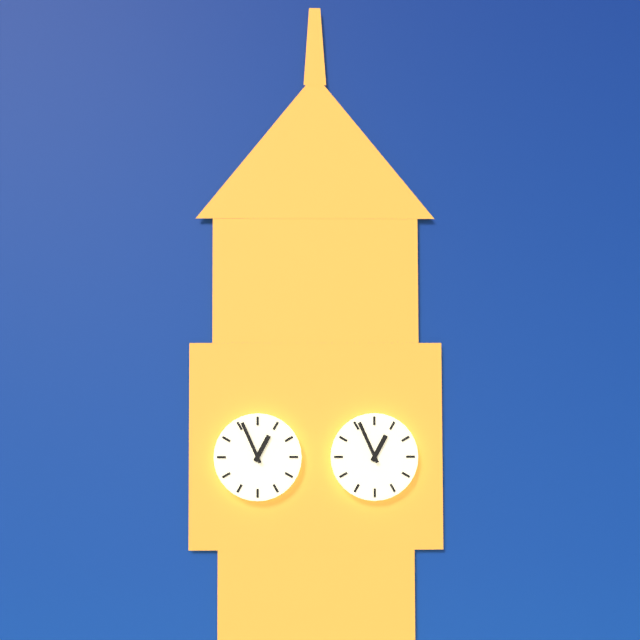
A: 12 h 56 min
